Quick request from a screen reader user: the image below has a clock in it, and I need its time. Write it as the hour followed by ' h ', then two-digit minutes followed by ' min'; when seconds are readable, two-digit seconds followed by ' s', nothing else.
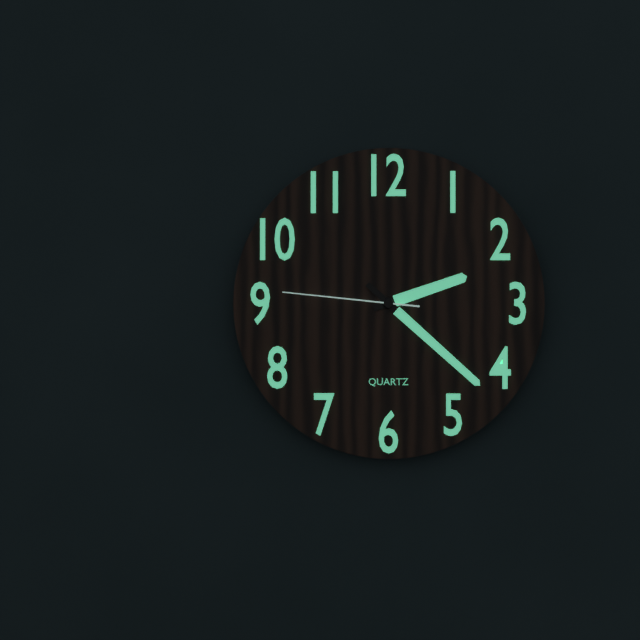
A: 2 h 22 min 46 s
